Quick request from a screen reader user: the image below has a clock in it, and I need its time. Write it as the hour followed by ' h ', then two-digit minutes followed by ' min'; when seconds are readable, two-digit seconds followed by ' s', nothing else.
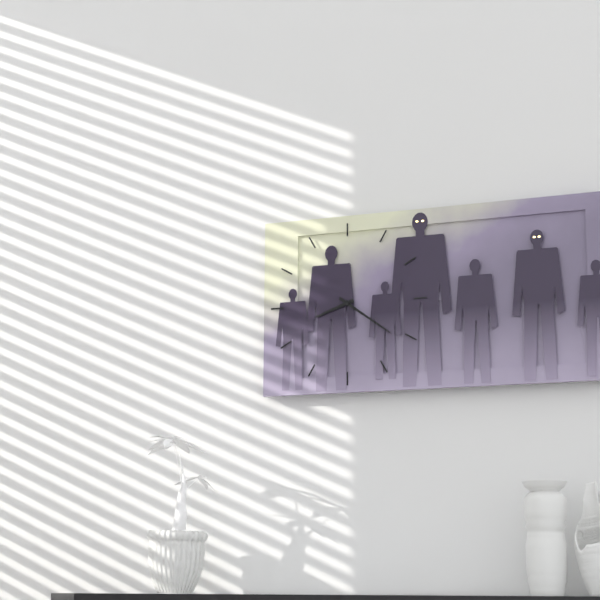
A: 8 h 21 min
